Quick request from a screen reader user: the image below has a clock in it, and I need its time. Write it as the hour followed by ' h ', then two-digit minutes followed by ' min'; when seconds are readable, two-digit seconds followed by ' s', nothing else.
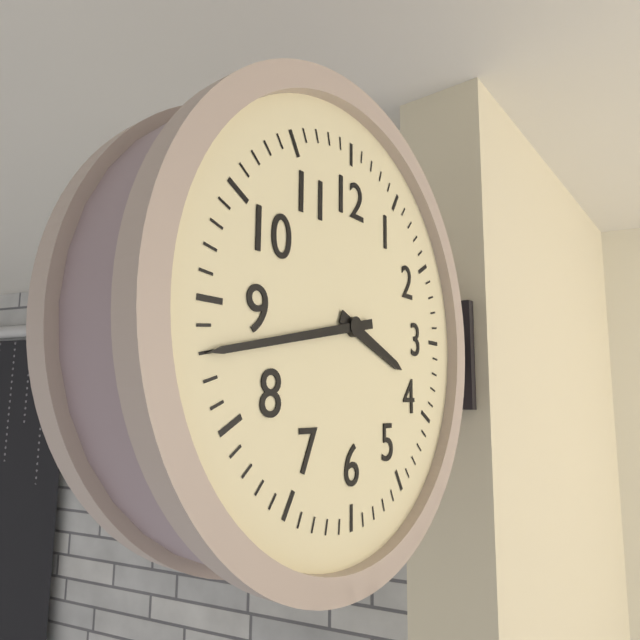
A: 3 h 43 min
